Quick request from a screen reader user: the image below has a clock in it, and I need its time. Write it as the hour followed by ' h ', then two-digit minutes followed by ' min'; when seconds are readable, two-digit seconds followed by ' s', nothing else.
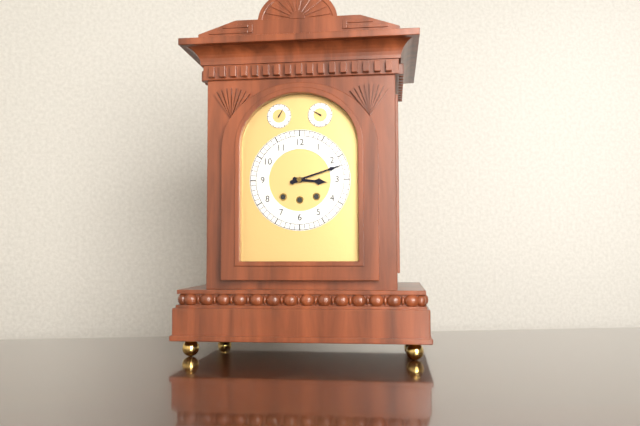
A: 3 h 12 min
